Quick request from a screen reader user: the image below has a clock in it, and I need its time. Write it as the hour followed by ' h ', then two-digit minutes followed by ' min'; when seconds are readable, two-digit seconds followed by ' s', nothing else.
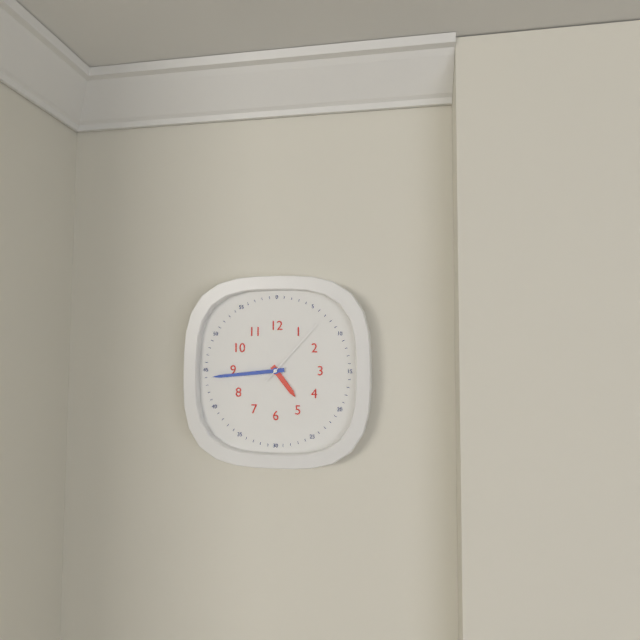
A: 4 h 44 min 07 s
